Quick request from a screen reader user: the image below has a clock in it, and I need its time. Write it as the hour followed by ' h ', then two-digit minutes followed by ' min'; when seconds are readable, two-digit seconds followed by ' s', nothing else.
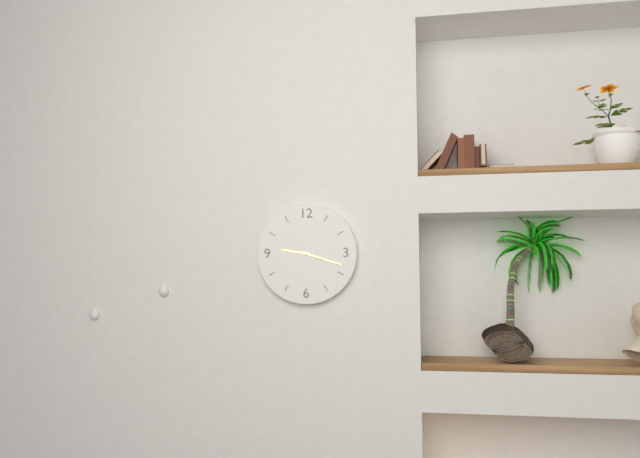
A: 9 h 18 min
